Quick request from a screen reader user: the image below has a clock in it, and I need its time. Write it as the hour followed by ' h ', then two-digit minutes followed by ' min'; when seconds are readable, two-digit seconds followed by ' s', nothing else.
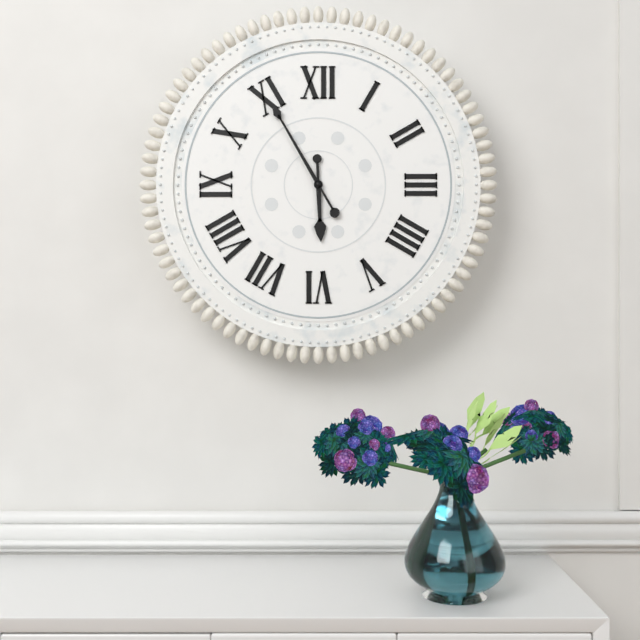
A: 5 h 55 min
